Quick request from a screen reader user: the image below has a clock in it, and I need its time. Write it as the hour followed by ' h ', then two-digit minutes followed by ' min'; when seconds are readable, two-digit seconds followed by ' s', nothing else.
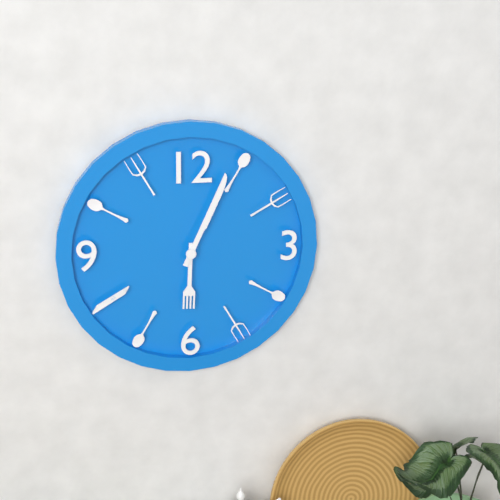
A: 6 h 04 min
